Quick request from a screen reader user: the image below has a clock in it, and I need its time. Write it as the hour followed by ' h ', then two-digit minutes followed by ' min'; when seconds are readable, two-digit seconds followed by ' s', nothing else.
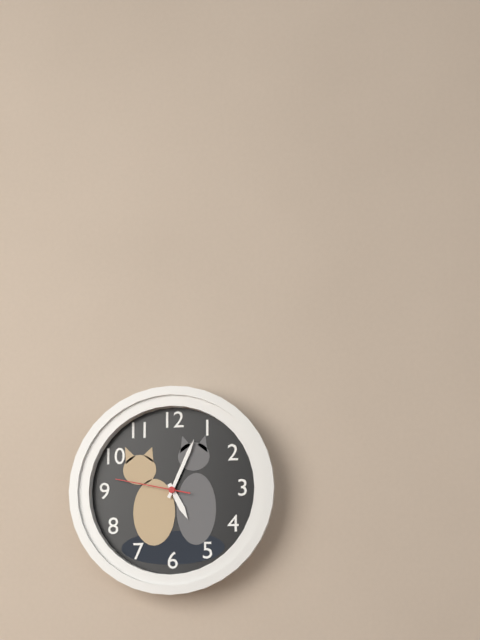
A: 5 h 04 min 47 s
